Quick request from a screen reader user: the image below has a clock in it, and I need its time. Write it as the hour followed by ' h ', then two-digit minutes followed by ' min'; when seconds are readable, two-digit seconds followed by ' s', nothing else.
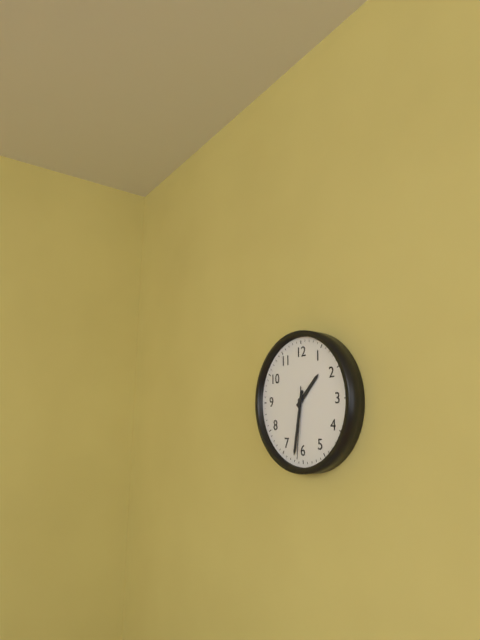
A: 1 h 32 min 31 s
